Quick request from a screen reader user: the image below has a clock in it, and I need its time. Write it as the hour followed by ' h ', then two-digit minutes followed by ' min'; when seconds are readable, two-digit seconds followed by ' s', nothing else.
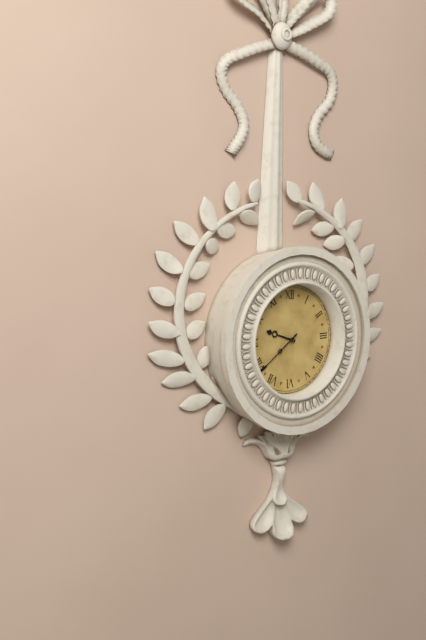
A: 9 h 39 min
